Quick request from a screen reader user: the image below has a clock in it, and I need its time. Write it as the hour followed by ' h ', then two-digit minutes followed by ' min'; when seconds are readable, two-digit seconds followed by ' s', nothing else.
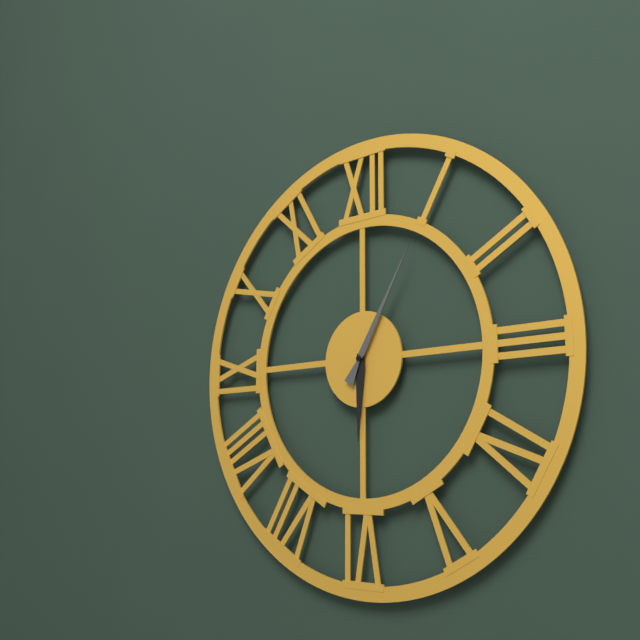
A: 6 h 05 min
